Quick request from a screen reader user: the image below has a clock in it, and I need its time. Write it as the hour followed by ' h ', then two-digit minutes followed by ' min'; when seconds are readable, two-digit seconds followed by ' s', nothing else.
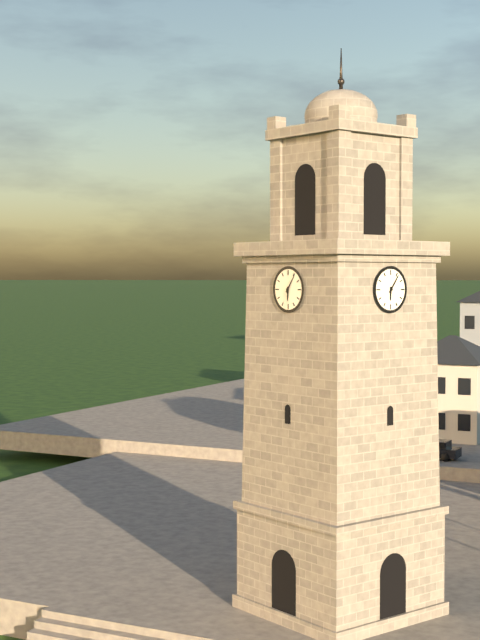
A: 6 h 06 min
